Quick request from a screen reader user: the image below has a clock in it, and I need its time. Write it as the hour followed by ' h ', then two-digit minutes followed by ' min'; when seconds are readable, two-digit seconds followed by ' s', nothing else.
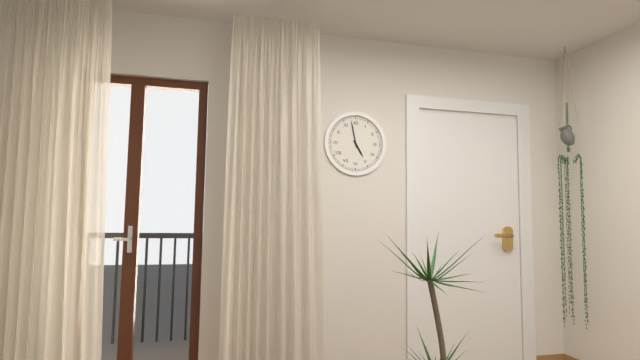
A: 4 h 58 min
